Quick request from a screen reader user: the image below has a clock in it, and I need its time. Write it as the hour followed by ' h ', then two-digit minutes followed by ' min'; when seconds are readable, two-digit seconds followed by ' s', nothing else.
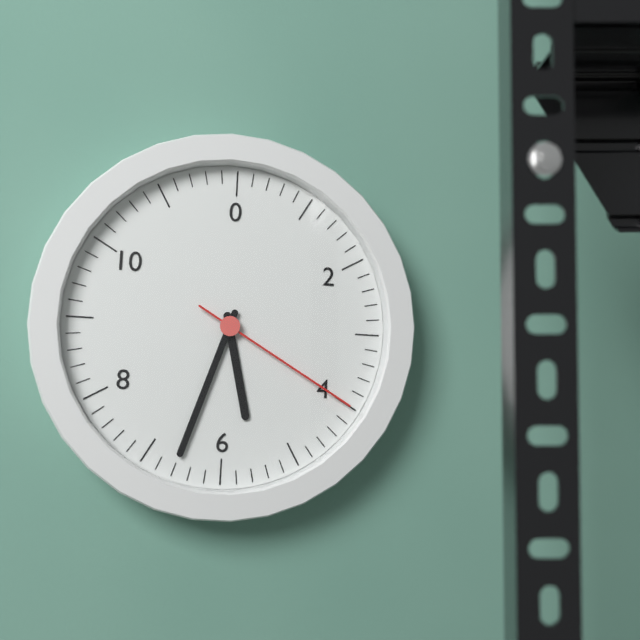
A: 5 h 33 min 20 s
